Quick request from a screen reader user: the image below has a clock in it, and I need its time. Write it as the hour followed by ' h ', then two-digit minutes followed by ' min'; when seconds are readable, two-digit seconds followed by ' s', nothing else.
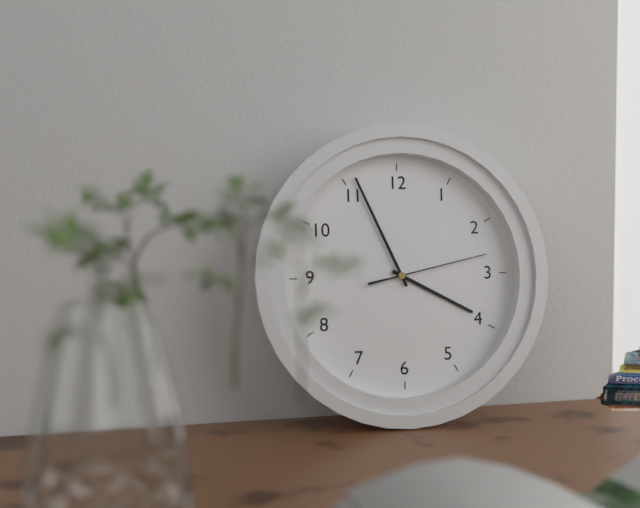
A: 3 h 56 min 13 s
